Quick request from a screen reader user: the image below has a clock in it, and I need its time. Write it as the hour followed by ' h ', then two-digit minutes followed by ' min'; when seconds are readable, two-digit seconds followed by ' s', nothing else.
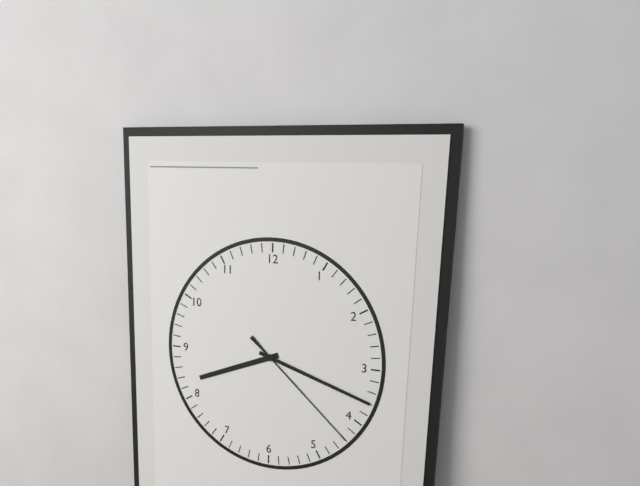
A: 8 h 18 min 22 s
